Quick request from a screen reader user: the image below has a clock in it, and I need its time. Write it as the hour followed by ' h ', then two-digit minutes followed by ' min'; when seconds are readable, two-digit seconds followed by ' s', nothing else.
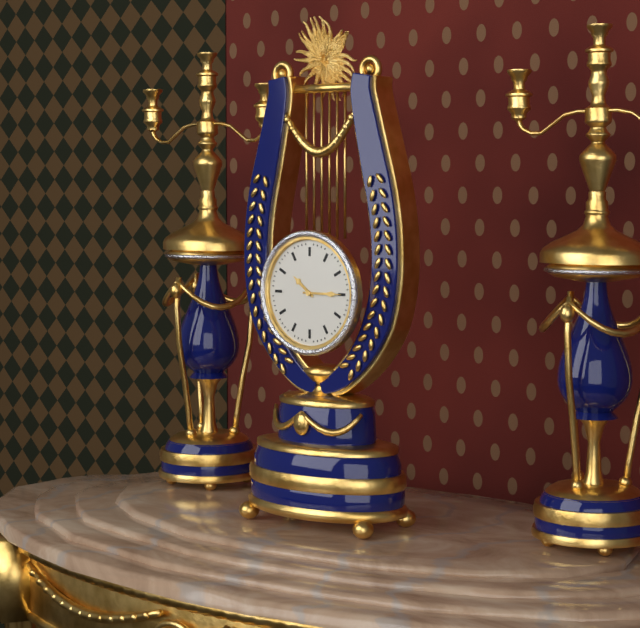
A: 10 h 15 min
